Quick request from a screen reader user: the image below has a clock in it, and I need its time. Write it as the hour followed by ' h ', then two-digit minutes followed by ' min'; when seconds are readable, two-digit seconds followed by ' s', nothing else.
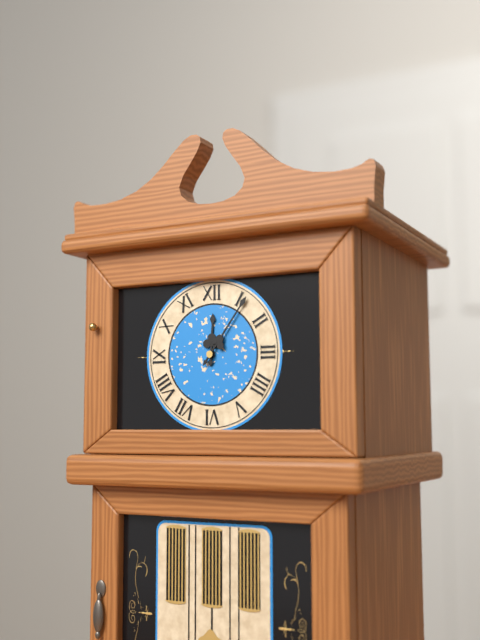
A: 12 h 06 min
